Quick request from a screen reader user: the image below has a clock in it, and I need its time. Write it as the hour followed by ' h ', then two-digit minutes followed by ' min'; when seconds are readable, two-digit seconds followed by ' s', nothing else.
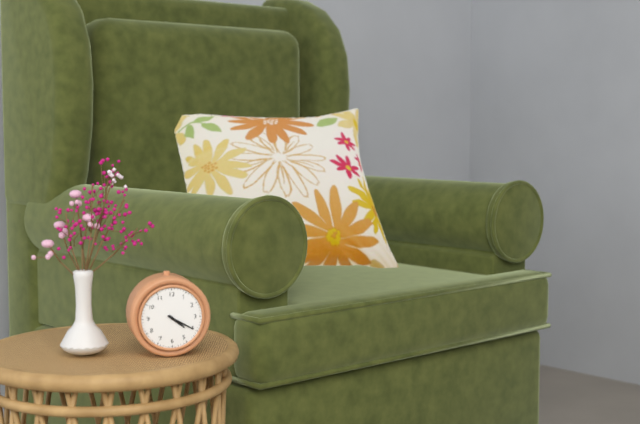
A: 4 h 20 min
